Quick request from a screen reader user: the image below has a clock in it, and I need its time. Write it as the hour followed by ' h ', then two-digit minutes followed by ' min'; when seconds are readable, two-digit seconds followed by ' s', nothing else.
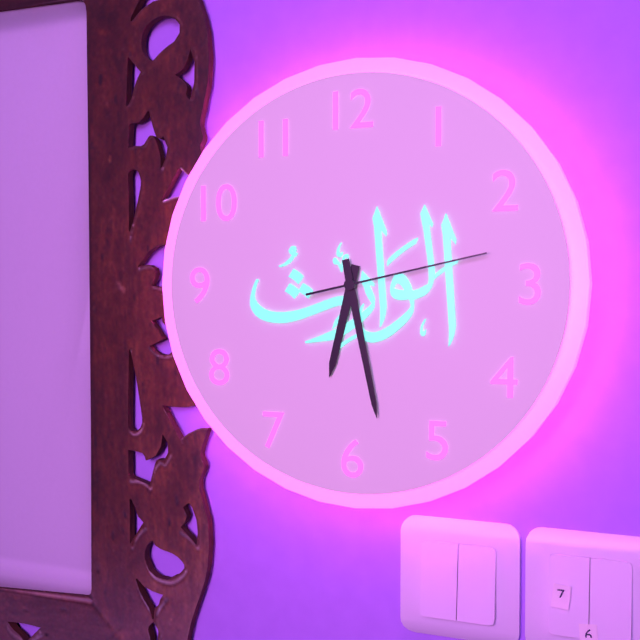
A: 6 h 28 min 13 s
